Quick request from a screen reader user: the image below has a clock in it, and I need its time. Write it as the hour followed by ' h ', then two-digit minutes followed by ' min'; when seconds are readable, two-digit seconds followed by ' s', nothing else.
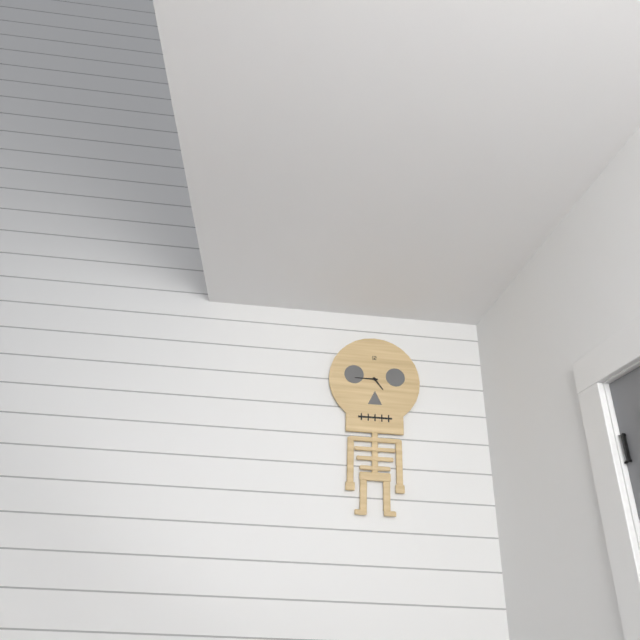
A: 4 h 45 min
